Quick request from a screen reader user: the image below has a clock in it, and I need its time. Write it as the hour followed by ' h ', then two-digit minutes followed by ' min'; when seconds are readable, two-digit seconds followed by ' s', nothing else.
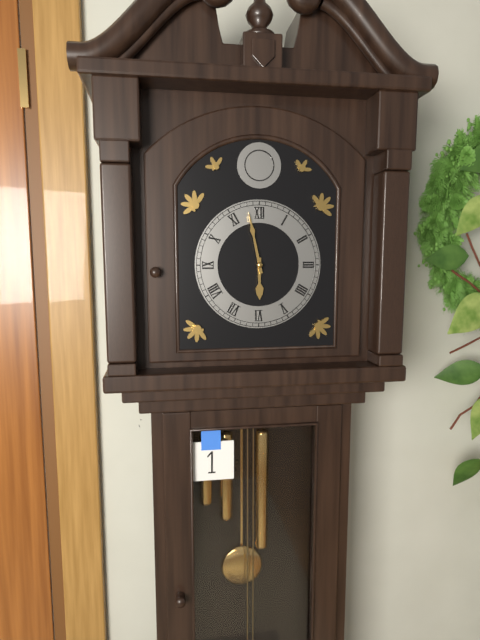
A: 5 h 58 min
